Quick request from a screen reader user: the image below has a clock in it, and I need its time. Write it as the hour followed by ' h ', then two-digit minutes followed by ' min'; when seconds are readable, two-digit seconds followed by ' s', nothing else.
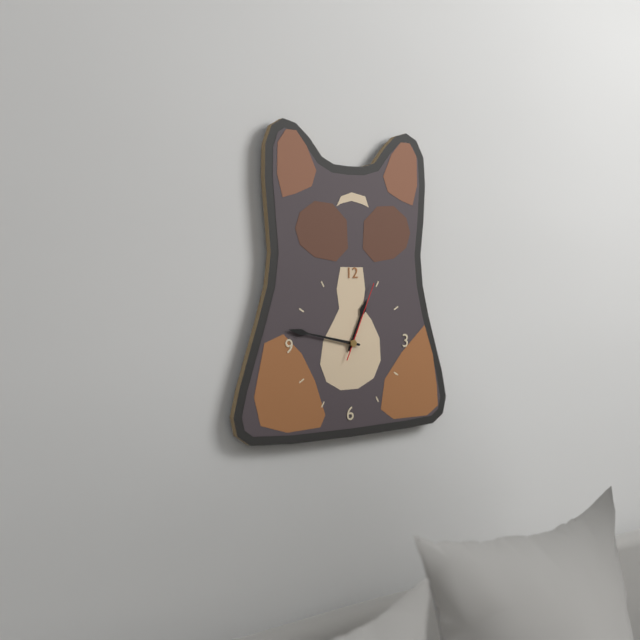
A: 12 h 47 min 04 s
